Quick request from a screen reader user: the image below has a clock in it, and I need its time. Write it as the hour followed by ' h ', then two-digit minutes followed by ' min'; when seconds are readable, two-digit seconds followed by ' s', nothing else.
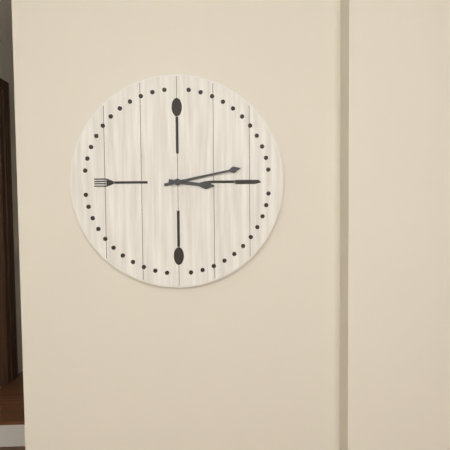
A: 3 h 13 min
